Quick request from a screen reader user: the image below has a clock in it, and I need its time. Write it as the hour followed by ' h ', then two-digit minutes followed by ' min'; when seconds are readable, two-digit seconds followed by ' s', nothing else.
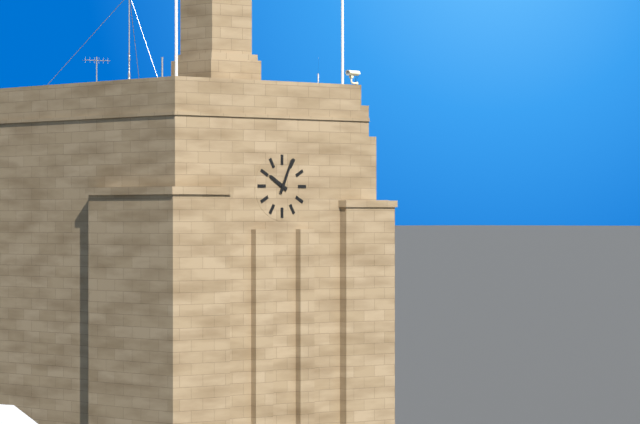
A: 10 h 04 min
